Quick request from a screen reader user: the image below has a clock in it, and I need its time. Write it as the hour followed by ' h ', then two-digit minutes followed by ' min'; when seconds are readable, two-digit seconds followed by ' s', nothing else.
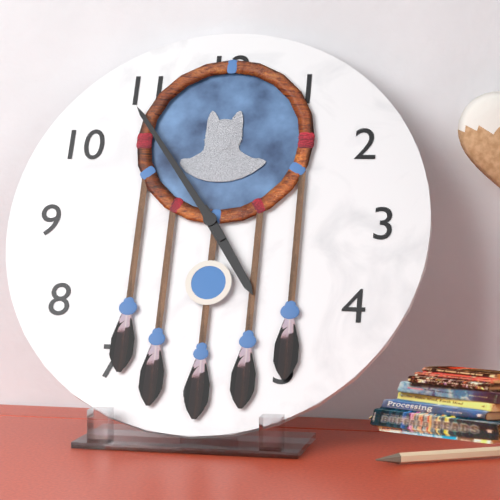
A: 4 h 54 min
